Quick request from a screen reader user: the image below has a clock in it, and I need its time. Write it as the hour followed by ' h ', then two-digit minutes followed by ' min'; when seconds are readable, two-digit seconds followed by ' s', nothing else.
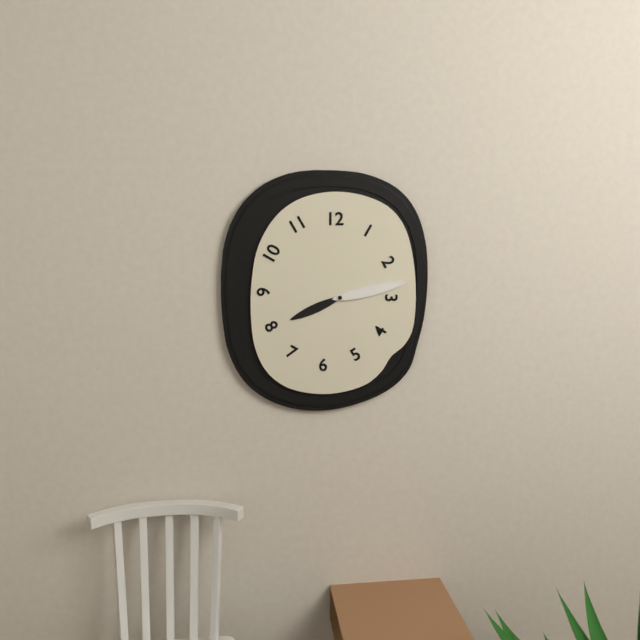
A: 8 h 13 min
